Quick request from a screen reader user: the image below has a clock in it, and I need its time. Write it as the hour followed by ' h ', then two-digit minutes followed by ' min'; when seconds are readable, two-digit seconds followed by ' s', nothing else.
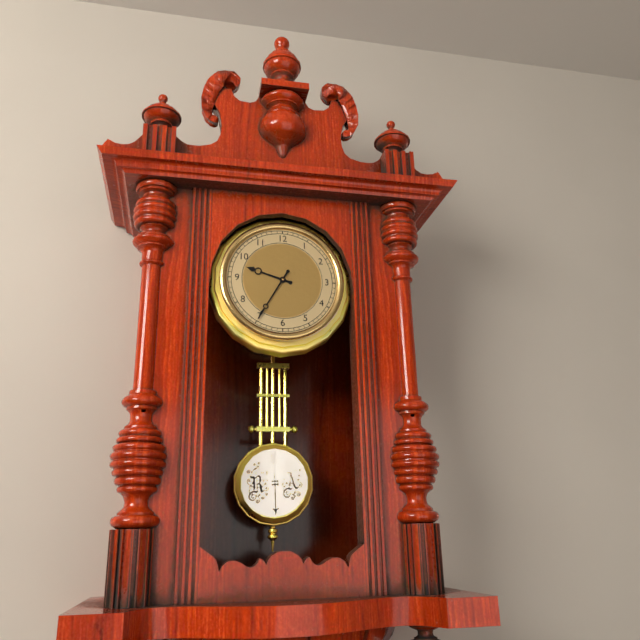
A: 9 h 35 min
